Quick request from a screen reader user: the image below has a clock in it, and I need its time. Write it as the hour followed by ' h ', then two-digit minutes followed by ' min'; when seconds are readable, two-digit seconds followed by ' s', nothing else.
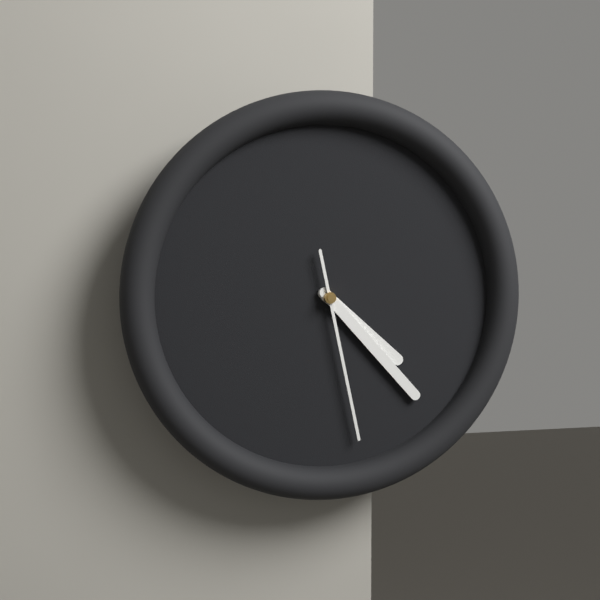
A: 4 h 23 min 28 s
